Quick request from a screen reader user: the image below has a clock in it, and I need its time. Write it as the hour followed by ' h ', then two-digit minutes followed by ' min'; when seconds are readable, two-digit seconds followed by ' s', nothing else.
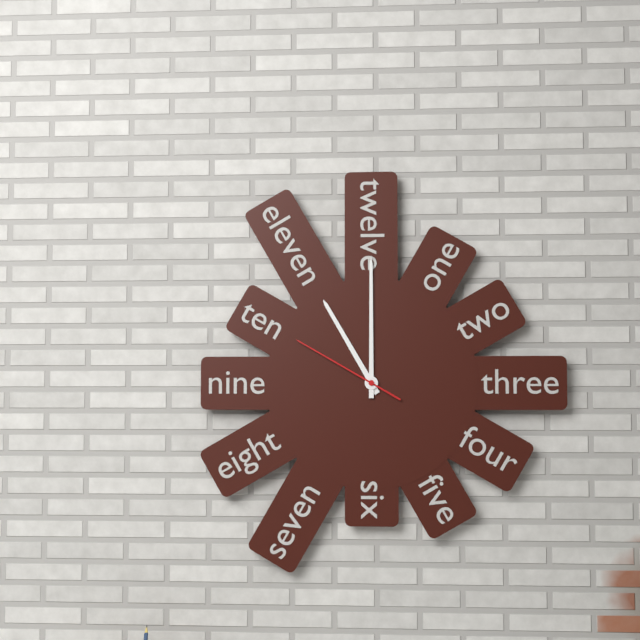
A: 11 h 00 min 50 s
